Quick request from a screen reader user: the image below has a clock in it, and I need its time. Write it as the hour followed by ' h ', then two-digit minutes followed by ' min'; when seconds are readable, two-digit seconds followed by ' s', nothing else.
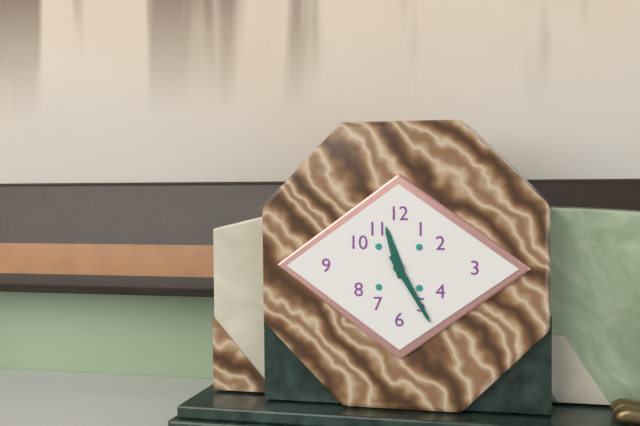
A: 11 h 25 min
